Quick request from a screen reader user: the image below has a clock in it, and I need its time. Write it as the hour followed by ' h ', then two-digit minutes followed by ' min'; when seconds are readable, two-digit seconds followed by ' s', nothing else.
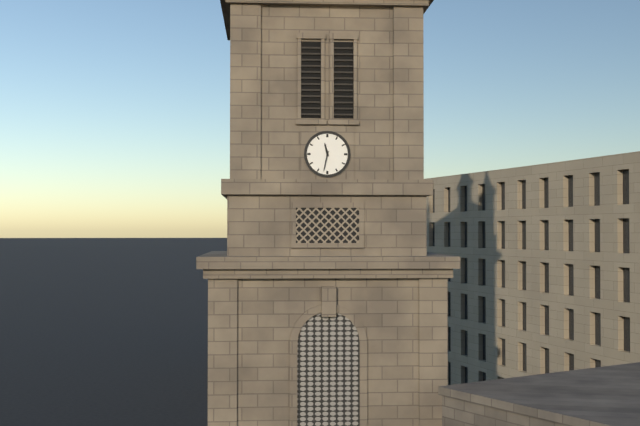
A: 11 h 32 min
